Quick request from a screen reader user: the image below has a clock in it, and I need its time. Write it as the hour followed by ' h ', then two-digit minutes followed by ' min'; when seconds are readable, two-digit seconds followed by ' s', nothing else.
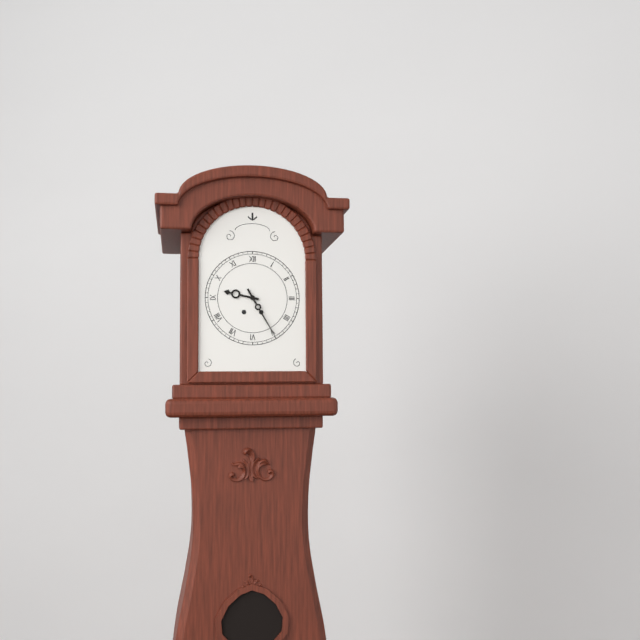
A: 9 h 25 min
